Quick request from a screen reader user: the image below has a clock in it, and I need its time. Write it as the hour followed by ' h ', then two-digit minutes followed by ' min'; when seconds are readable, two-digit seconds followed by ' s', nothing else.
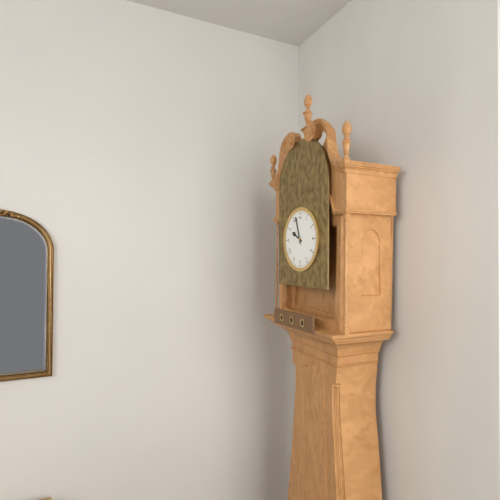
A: 9 h 57 min
